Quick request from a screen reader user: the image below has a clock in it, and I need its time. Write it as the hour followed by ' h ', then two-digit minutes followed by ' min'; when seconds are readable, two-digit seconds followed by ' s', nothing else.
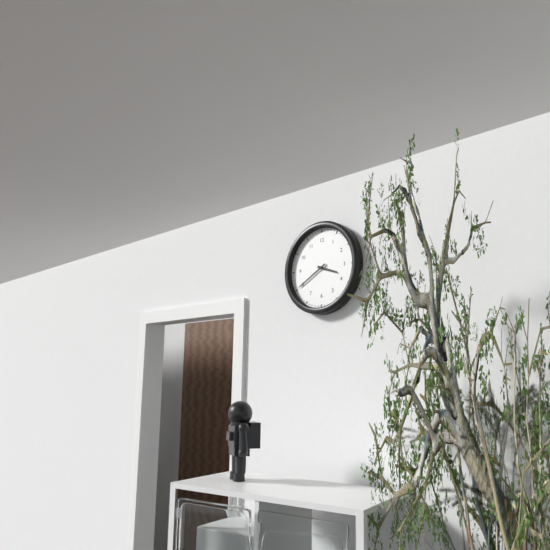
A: 3 h 40 min
